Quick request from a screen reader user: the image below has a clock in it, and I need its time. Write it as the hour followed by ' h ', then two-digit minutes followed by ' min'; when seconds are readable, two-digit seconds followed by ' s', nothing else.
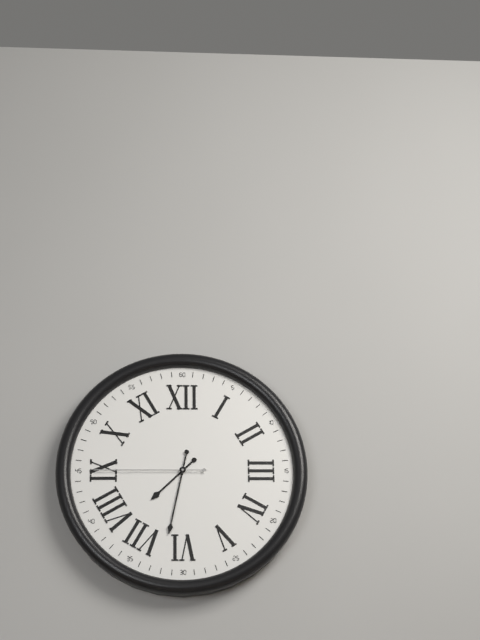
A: 7 h 32 min 45 s
